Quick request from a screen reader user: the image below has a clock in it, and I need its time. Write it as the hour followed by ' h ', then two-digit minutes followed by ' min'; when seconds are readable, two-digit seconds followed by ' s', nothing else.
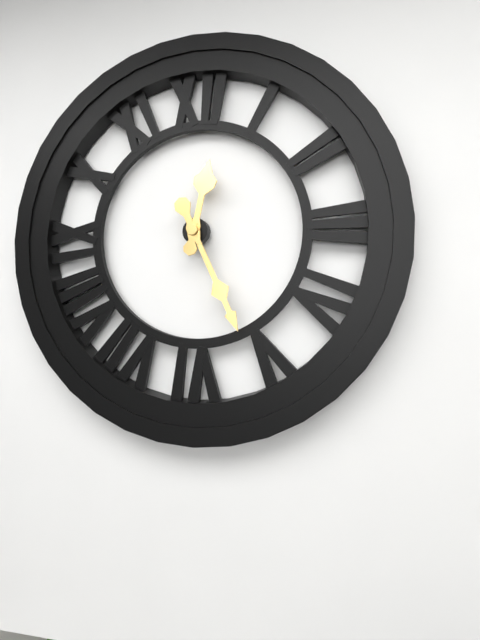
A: 12 h 26 min
